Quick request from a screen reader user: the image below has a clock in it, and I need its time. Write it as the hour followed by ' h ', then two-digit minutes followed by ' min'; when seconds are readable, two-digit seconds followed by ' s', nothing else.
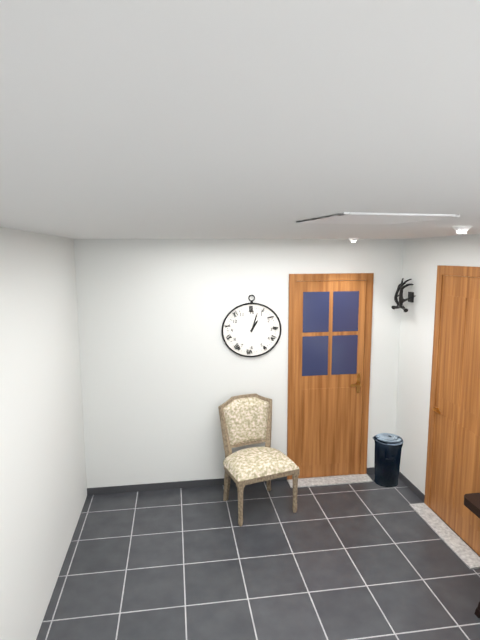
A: 1 h 03 min
